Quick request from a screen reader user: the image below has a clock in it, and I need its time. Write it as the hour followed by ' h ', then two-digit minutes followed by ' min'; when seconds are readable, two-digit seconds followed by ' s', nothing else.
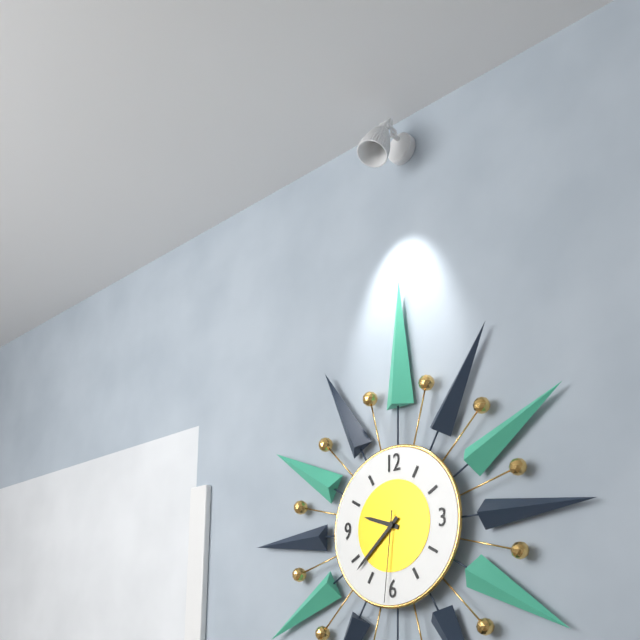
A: 9 h 38 min 31 s
